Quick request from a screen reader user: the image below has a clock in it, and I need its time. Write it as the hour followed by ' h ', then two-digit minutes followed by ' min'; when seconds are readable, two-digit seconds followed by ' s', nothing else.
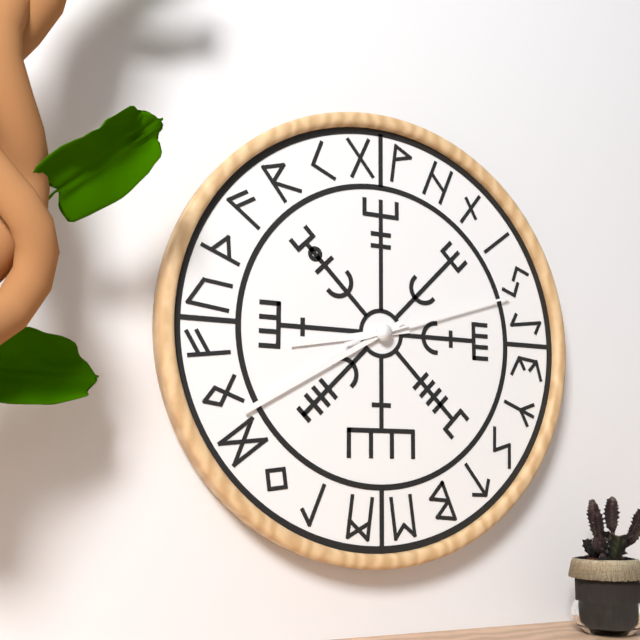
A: 8 h 40 min 12 s
